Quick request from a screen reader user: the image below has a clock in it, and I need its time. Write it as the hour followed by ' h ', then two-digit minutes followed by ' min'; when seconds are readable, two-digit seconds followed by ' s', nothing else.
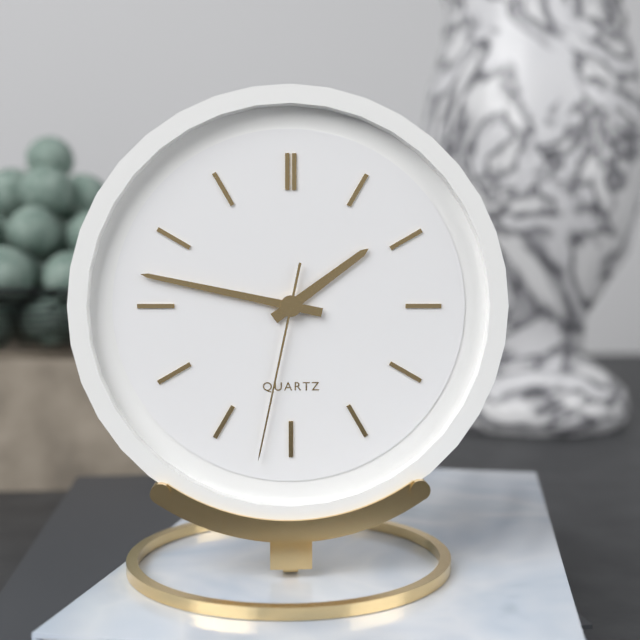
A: 1 h 47 min 32 s
